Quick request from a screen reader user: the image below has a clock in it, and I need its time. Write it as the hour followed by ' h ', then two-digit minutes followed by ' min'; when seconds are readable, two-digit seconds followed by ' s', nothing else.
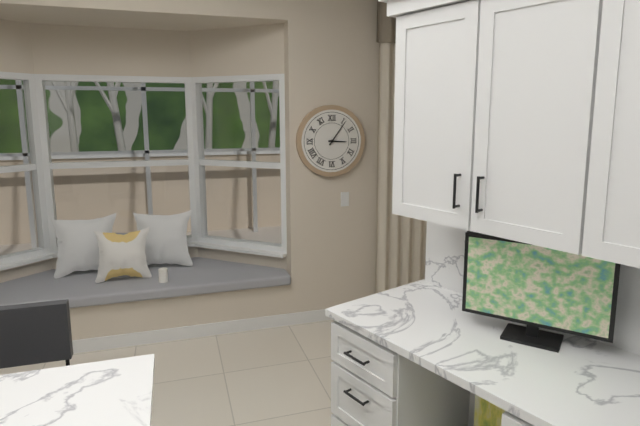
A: 3 h 06 min
